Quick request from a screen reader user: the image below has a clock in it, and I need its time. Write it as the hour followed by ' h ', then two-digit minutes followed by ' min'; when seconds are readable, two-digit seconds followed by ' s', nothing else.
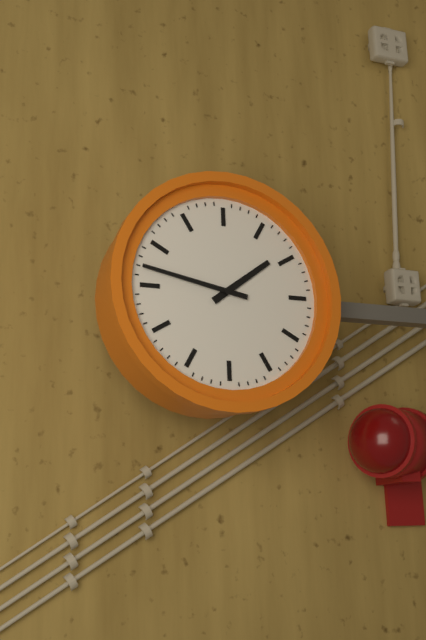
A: 1 h 47 min
